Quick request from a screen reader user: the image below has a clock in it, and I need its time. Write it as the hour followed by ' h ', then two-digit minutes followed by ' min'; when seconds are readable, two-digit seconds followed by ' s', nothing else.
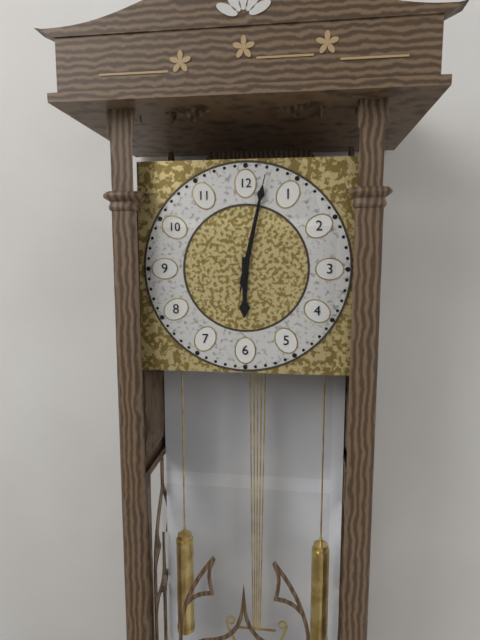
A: 6 h 02 min 02 s
